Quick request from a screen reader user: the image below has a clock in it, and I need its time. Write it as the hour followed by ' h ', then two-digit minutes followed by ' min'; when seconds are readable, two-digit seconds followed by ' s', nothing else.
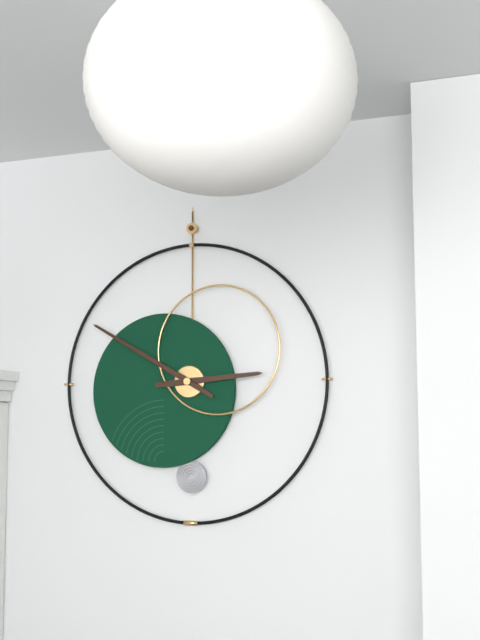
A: 2 h 50 min
